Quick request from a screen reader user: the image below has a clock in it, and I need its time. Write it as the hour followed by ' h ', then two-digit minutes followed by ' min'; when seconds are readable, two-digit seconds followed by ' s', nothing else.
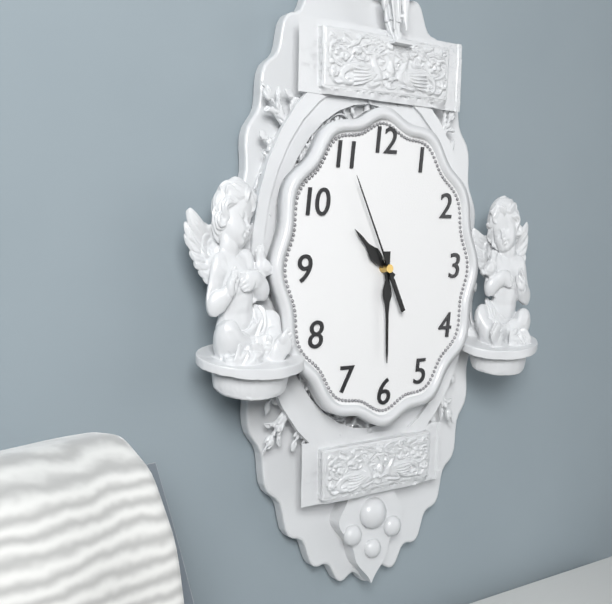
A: 10 h 30 min 56 s
